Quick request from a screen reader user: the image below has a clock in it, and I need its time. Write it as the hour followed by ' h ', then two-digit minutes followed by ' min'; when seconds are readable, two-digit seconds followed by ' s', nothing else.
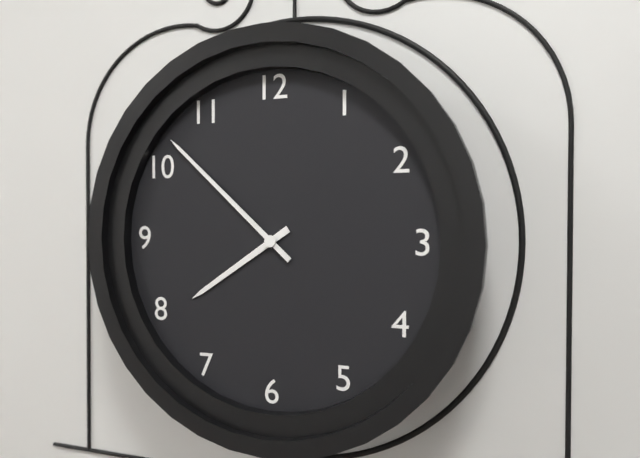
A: 7 h 52 min
